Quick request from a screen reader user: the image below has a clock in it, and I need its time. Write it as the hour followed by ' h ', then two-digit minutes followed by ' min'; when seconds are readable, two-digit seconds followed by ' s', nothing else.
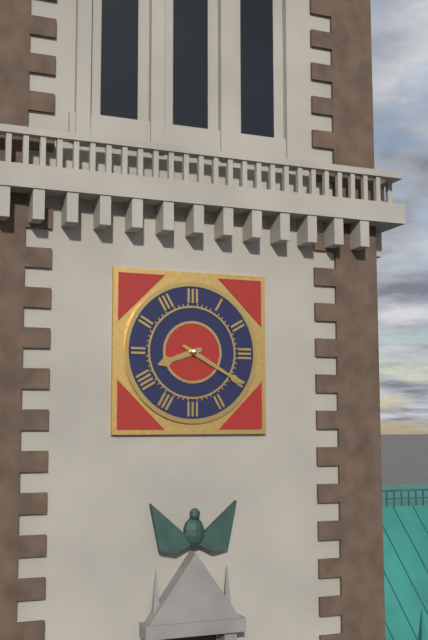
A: 8 h 20 min
